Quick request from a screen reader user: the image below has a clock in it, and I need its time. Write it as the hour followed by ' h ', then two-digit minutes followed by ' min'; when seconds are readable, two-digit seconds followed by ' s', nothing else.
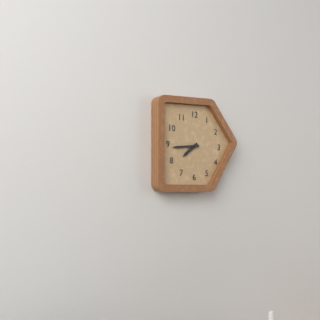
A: 7 h 44 min
